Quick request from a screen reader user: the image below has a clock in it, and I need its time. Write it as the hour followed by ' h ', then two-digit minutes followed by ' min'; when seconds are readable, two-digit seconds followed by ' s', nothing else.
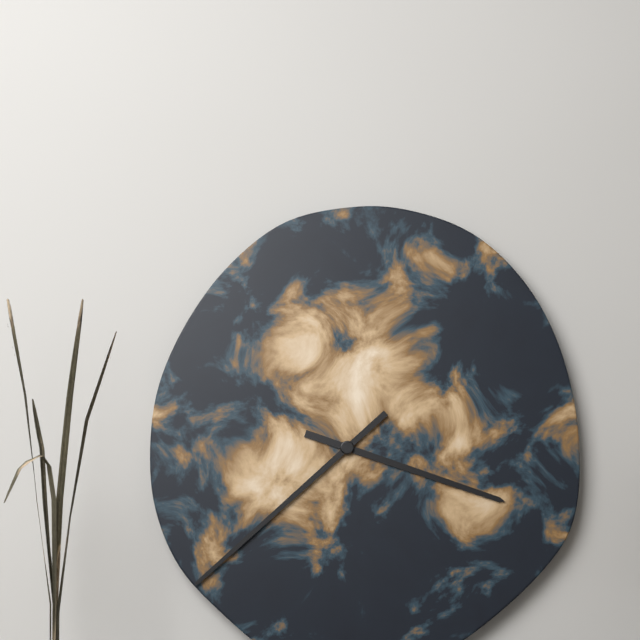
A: 3 h 38 min
